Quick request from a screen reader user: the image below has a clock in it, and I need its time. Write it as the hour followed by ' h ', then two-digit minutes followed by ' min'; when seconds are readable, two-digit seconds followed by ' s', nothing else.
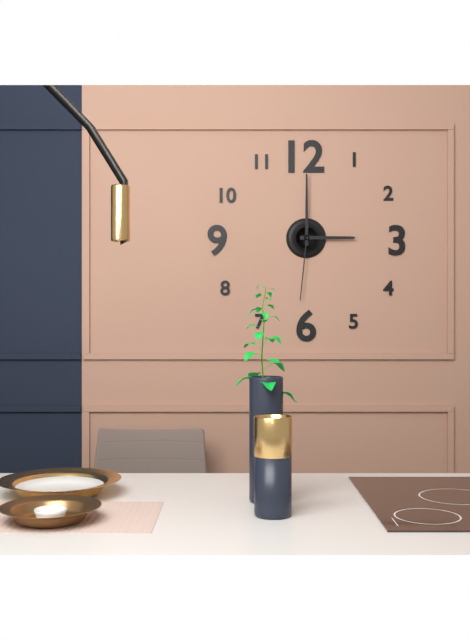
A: 3 h 00 min 31 s
